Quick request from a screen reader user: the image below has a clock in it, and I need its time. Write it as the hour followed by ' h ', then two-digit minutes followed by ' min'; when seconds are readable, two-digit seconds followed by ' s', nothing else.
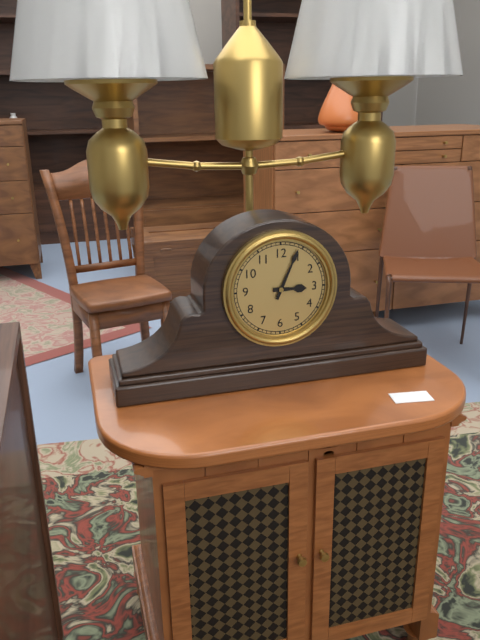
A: 3 h 04 min
